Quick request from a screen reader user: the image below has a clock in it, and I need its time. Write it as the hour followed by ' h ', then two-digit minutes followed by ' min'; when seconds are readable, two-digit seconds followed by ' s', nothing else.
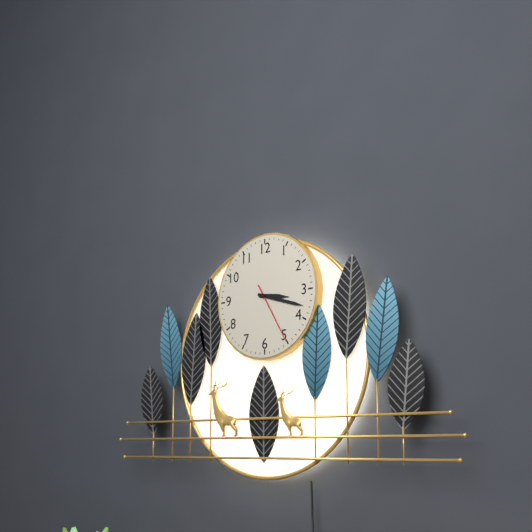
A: 3 h 18 min 25 s
